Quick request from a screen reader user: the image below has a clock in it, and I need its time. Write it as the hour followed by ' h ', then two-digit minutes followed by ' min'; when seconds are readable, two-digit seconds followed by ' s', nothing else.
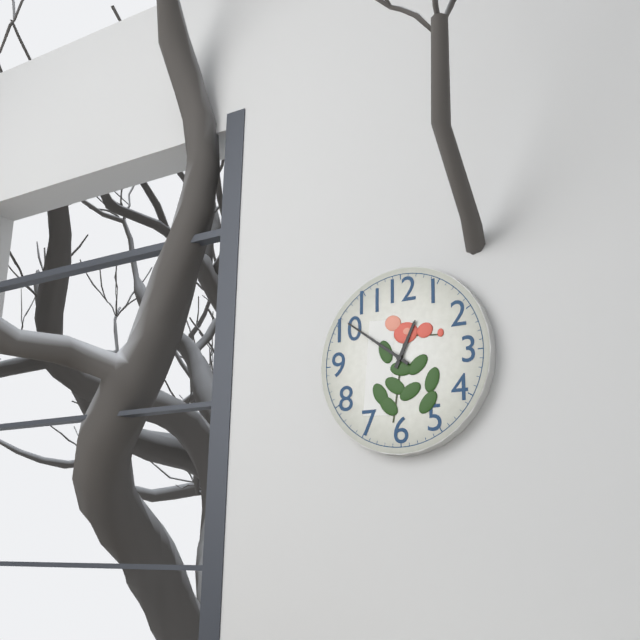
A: 12 h 51 min
